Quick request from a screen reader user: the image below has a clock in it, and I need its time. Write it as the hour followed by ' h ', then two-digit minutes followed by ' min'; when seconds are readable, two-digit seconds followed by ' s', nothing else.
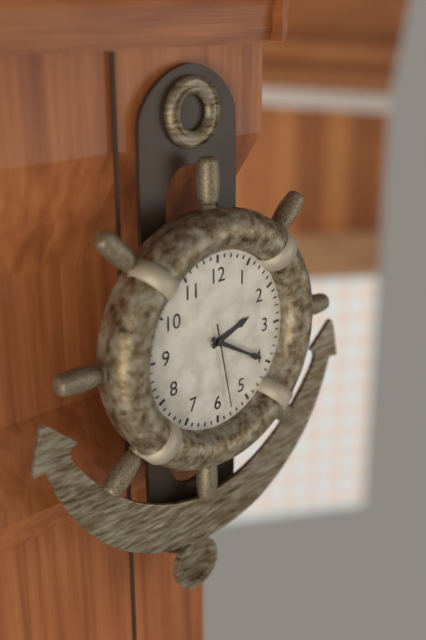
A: 2 h 20 min 28 s
